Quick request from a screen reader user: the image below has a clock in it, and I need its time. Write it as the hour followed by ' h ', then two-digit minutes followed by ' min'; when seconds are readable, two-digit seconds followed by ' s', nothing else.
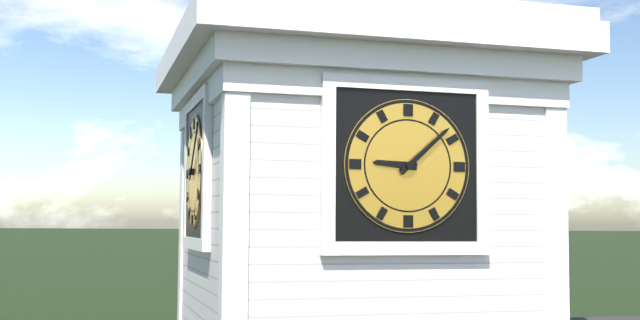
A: 9 h 08 min
